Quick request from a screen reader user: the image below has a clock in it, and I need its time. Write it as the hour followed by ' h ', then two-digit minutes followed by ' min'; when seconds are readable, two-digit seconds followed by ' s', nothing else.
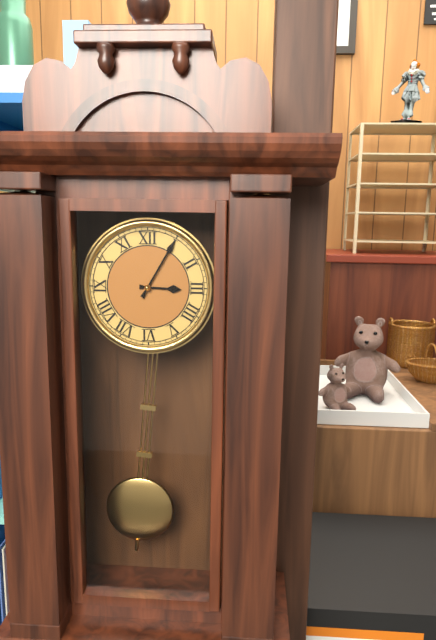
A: 3 h 05 min
